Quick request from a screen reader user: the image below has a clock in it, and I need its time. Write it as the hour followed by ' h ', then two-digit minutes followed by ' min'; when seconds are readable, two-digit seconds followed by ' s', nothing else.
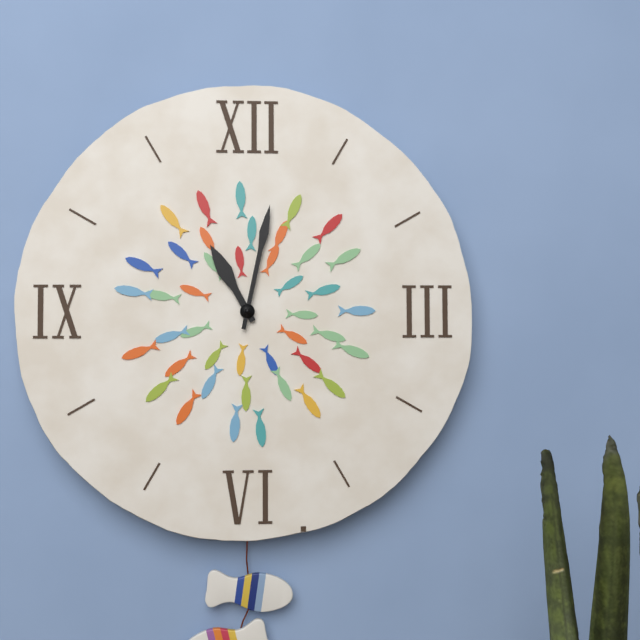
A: 11 h 02 min
